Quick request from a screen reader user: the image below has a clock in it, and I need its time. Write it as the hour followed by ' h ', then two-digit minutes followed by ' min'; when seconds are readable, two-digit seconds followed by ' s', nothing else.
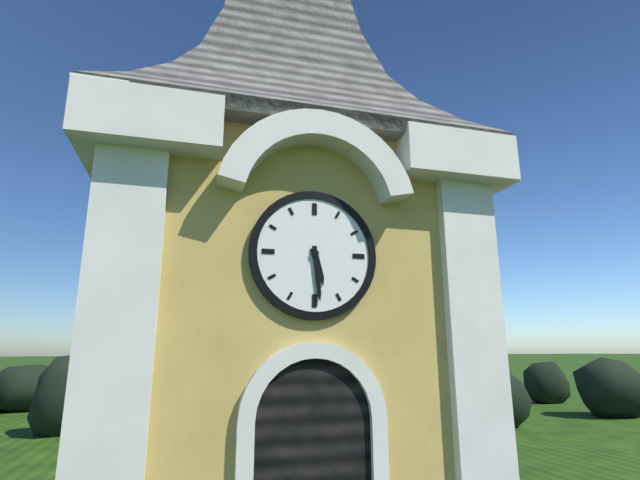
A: 5 h 29 min
